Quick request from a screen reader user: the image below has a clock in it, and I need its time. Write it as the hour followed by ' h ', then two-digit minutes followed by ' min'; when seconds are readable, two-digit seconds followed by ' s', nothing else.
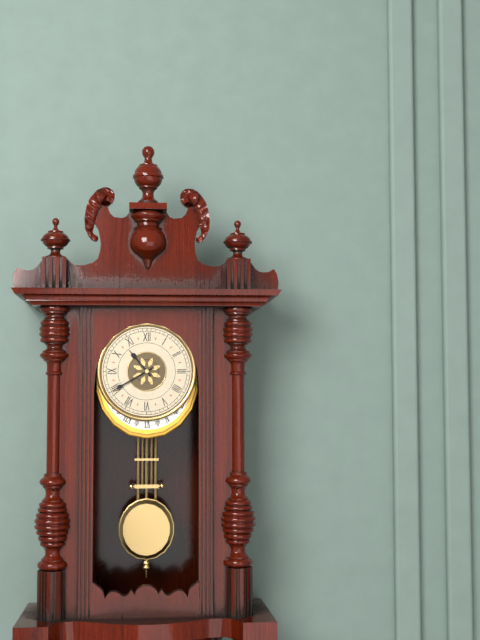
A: 10 h 40 min
